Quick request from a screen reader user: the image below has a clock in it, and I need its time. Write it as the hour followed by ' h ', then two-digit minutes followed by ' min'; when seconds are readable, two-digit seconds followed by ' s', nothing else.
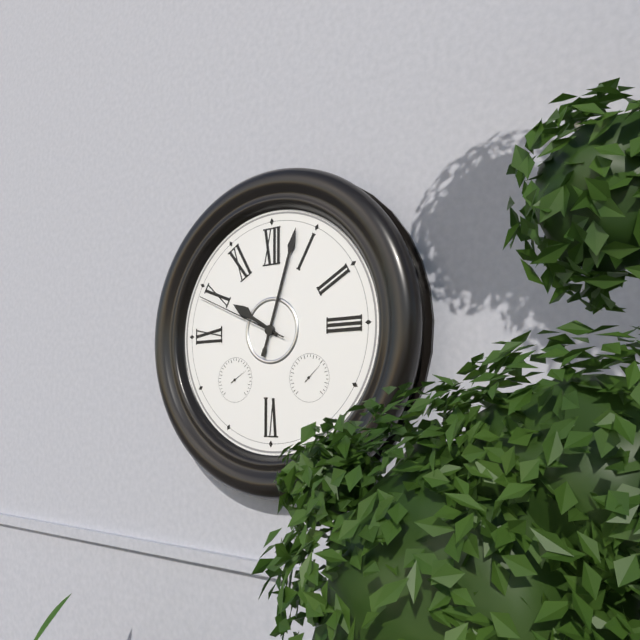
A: 10 h 03 min 49 s
